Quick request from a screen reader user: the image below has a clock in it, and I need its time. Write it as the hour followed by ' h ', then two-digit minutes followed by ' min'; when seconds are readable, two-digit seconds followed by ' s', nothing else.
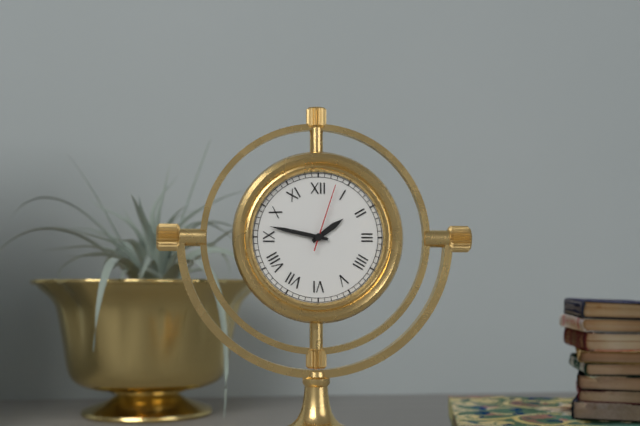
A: 1 h 47 min 03 s
